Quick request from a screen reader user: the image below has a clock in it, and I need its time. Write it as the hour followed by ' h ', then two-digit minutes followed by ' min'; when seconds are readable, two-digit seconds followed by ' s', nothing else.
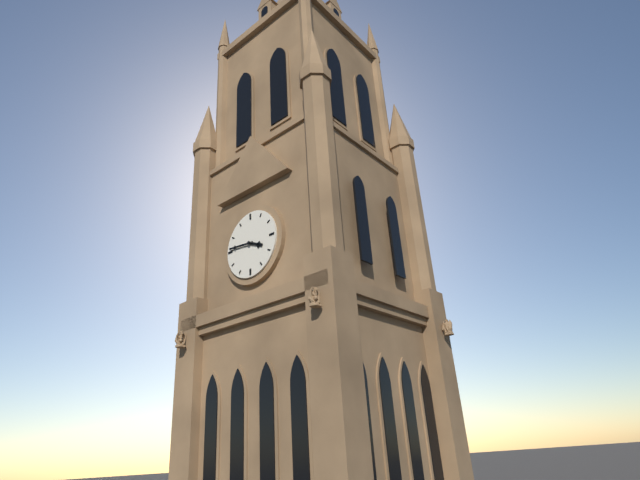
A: 3 h 46 min
